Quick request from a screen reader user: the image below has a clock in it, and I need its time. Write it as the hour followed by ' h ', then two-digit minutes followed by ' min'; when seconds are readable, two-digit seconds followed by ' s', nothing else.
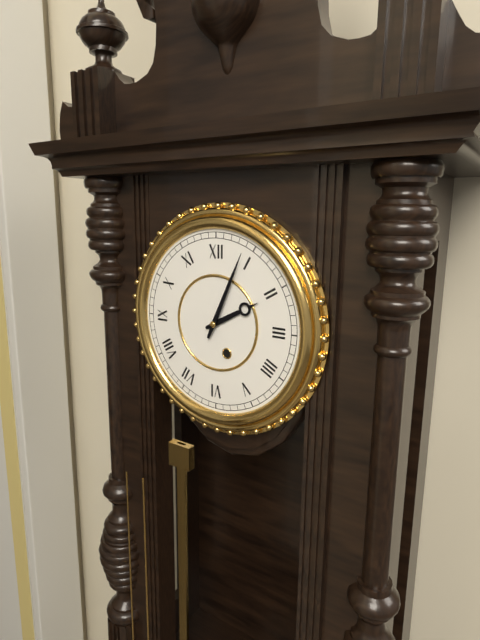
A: 2 h 04 min
